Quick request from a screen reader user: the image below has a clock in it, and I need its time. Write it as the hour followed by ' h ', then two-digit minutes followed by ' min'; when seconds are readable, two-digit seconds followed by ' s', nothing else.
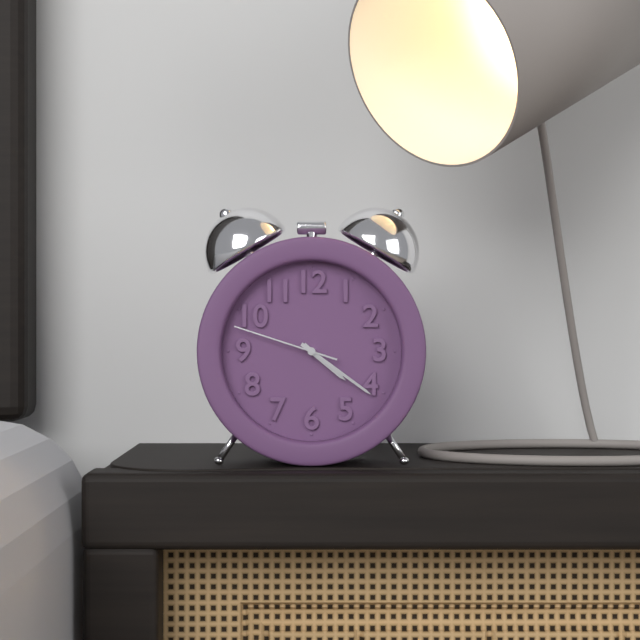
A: 4 h 21 min 48 s
